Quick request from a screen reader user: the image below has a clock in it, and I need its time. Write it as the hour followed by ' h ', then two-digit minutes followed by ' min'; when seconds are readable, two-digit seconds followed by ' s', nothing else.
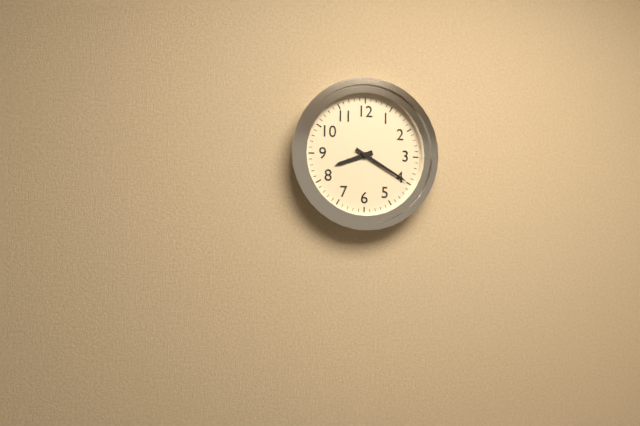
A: 8 h 20 min
